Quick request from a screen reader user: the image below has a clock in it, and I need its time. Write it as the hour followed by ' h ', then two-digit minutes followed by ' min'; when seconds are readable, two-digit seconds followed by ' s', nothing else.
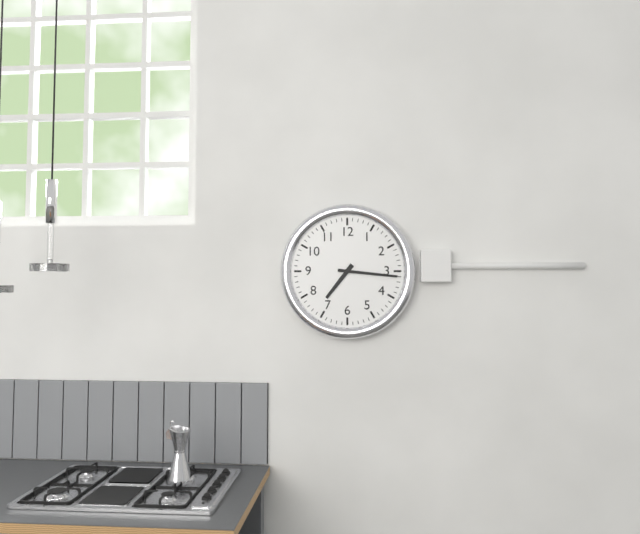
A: 7 h 16 min
